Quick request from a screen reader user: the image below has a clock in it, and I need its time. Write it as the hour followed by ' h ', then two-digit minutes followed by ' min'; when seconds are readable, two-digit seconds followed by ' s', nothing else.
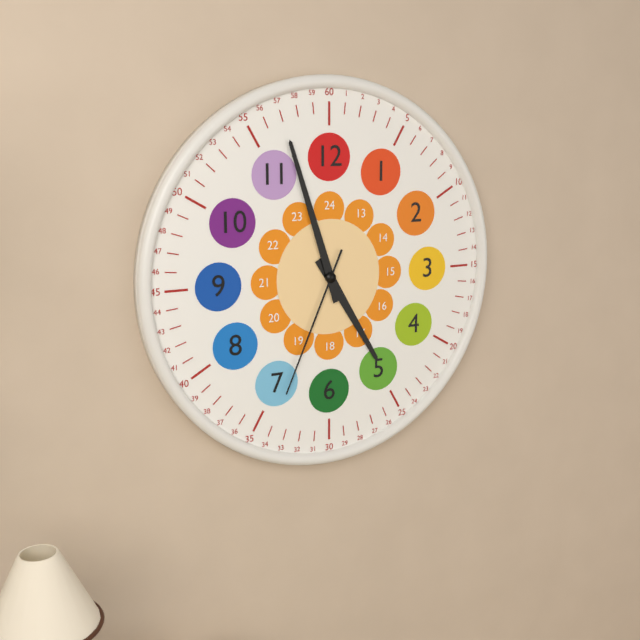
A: 4 h 57 min 34 s
